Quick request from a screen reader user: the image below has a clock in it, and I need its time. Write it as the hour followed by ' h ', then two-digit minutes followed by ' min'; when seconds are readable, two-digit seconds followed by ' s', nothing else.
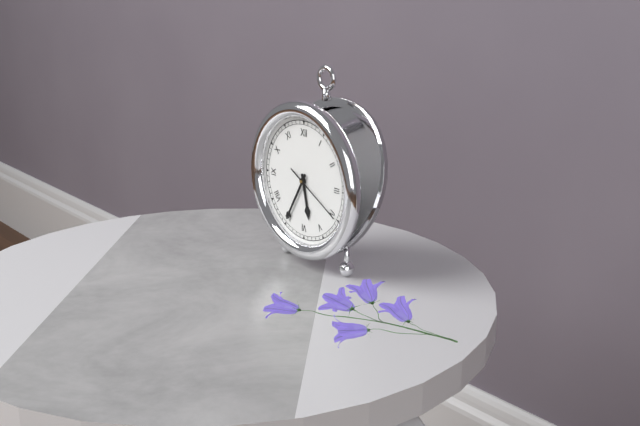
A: 5 h 35 min 20 s
